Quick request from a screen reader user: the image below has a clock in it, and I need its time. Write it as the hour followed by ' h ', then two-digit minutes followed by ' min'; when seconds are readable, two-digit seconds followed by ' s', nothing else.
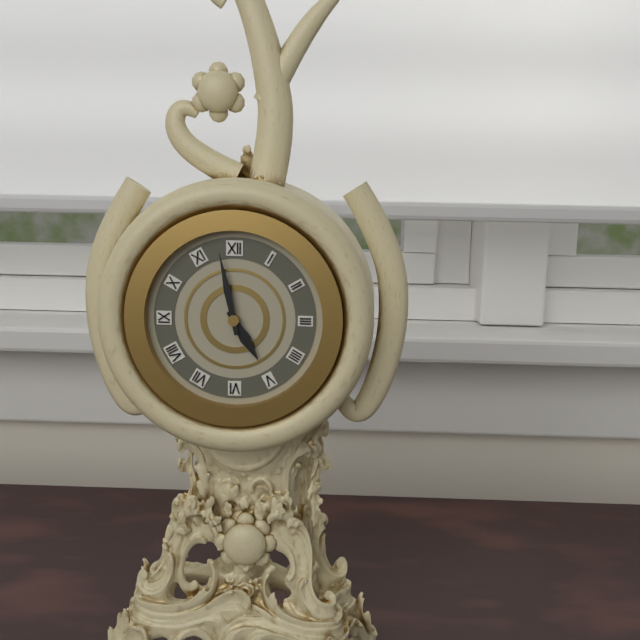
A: 4 h 58 min
